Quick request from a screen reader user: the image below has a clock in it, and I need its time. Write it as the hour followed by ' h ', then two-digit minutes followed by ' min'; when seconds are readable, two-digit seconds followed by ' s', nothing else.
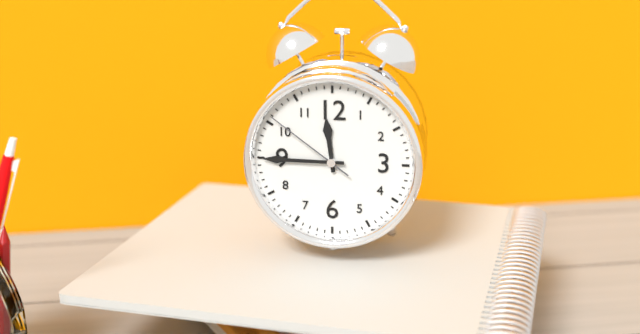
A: 11 h 45 min 51 s
